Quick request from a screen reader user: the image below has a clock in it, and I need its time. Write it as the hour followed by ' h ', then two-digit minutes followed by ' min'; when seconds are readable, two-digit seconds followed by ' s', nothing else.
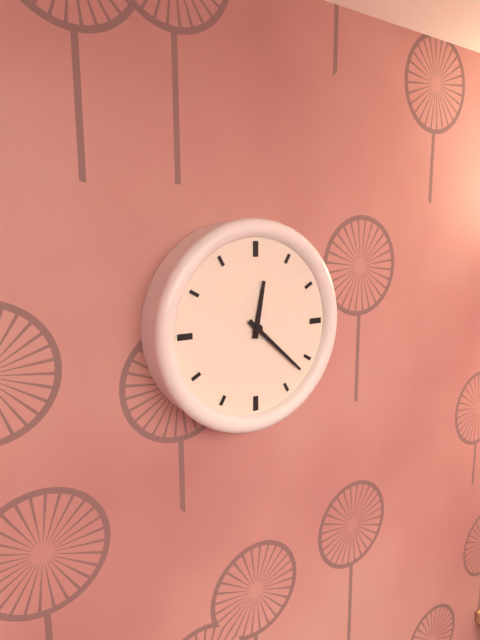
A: 12 h 22 min
